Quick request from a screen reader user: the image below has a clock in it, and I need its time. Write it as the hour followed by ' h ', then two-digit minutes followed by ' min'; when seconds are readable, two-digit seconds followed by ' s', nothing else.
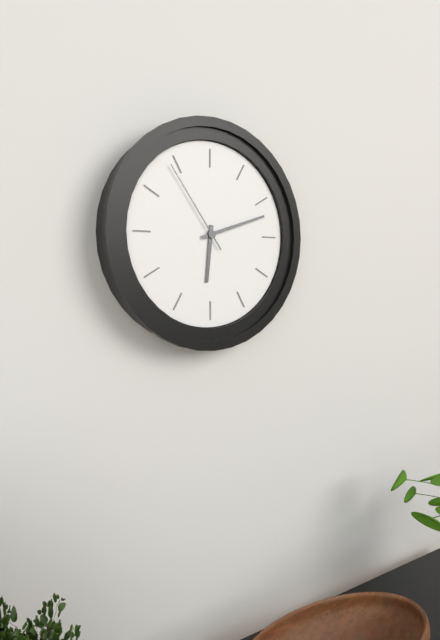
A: 6 h 12 min 54 s
